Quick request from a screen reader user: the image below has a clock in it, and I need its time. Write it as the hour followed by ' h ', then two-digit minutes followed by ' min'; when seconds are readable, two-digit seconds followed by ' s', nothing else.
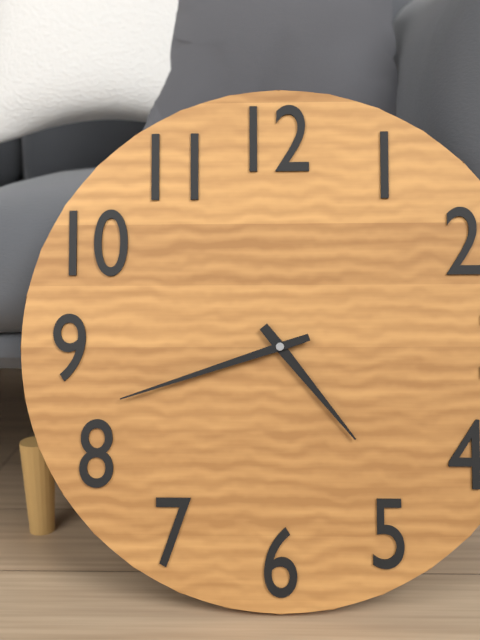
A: 4 h 42 min
